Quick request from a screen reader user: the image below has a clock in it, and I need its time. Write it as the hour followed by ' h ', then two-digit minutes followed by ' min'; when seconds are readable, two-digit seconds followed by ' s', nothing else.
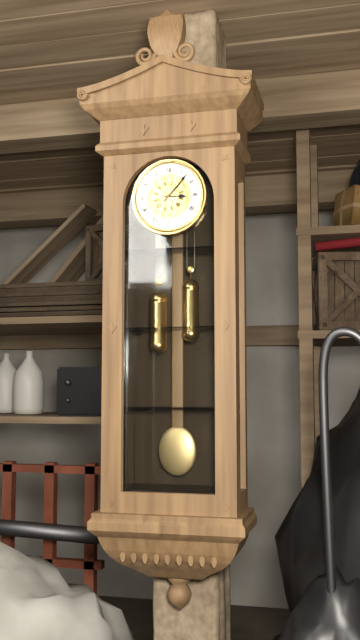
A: 3 h 07 min
